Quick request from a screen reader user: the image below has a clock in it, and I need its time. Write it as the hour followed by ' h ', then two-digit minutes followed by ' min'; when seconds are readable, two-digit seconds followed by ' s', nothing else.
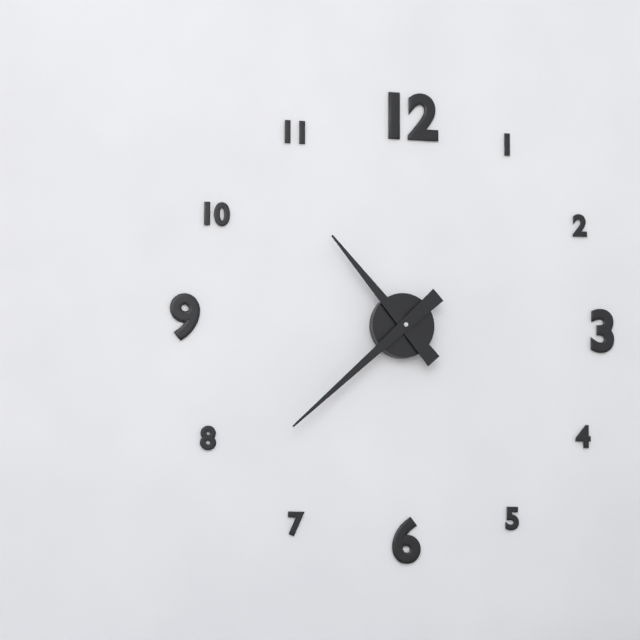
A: 10 h 38 min
